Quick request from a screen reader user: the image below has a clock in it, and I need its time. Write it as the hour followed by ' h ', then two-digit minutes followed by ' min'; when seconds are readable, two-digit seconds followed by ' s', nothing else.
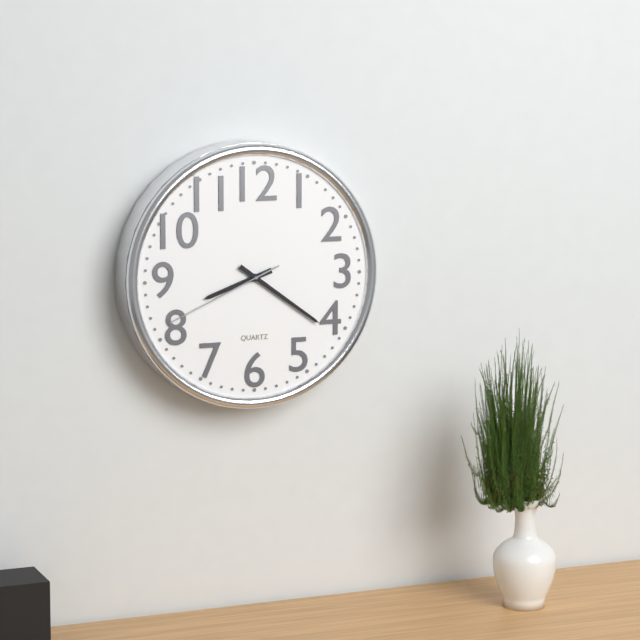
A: 8 h 21 min 41 s
